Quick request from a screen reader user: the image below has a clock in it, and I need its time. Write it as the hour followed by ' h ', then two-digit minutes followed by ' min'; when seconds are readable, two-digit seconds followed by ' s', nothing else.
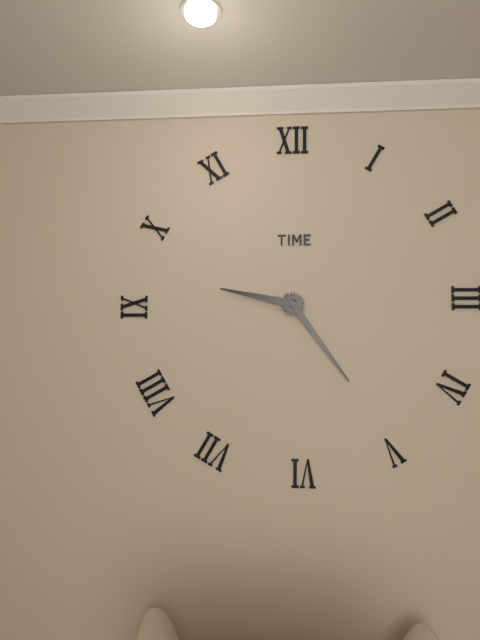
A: 9 h 24 min
